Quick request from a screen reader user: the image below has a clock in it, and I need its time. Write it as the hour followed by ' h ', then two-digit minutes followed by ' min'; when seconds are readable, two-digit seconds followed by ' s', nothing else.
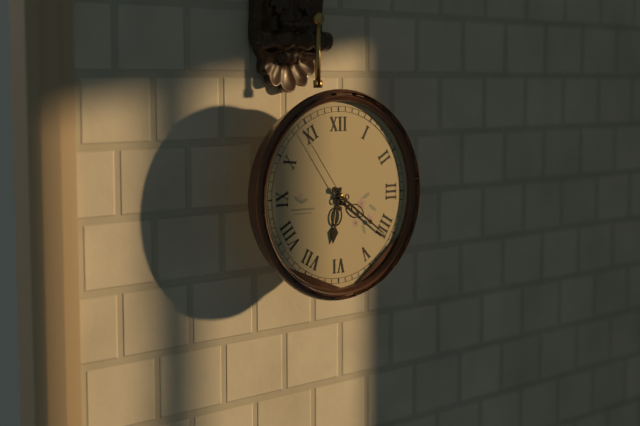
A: 6 h 21 min 54 s
